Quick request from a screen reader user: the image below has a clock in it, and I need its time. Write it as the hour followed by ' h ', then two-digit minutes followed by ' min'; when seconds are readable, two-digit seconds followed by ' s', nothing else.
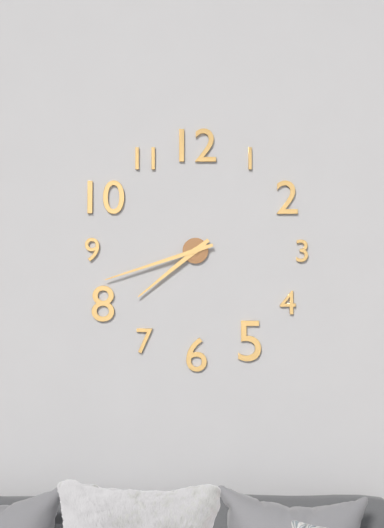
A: 7 h 42 min
